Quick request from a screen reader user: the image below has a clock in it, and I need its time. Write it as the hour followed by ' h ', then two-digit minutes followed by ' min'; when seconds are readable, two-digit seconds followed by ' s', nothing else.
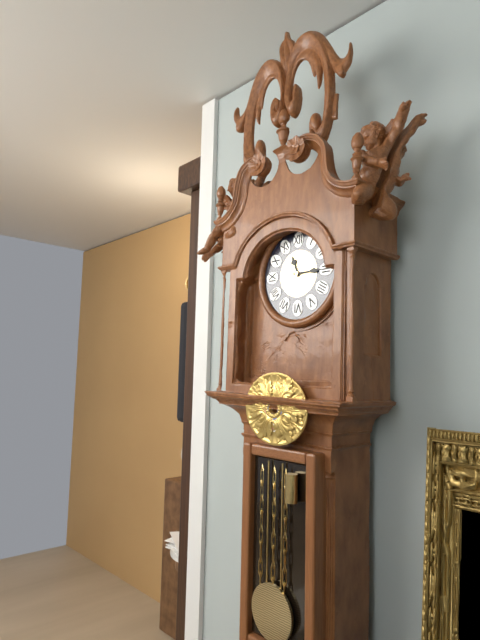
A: 11 h 15 min
